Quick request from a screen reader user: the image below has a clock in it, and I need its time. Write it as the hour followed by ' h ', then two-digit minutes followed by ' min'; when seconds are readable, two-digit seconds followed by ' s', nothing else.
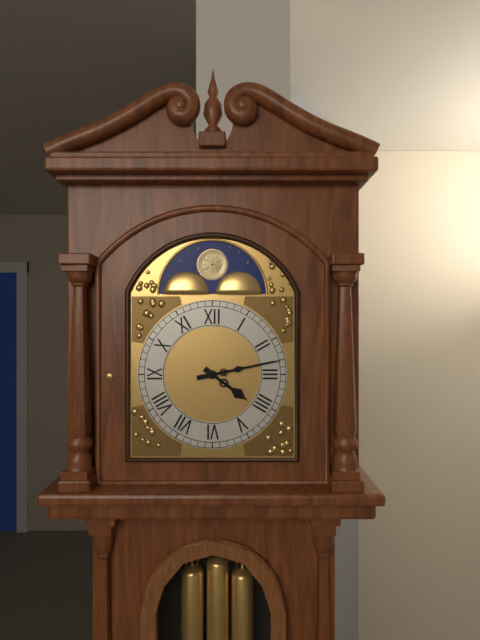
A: 4 h 13 min
